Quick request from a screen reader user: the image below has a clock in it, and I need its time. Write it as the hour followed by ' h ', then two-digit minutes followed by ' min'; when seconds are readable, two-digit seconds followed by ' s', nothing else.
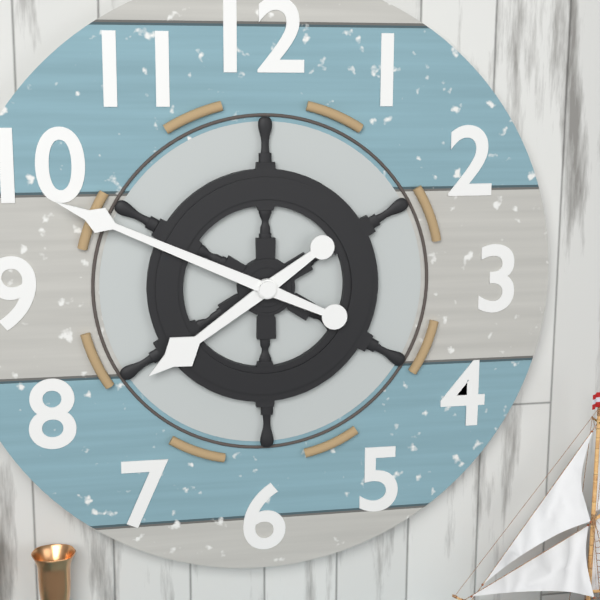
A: 7 h 49 min
